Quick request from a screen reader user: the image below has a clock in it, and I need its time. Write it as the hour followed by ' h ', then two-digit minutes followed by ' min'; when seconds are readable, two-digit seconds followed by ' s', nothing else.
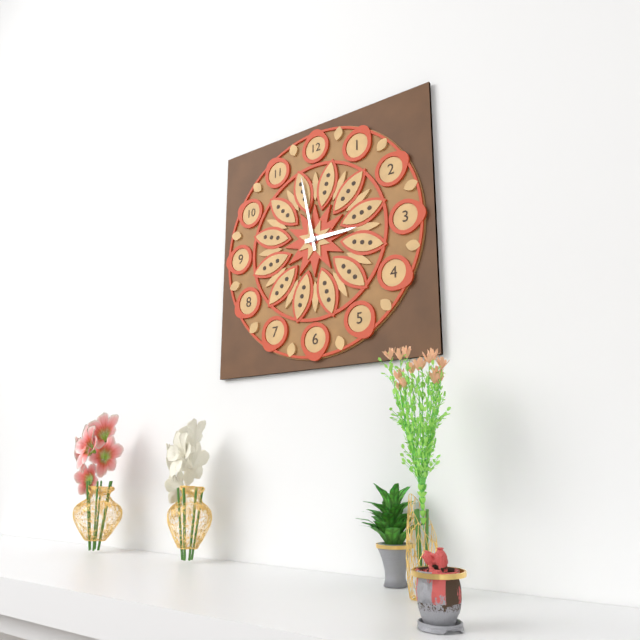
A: 2 h 58 min
